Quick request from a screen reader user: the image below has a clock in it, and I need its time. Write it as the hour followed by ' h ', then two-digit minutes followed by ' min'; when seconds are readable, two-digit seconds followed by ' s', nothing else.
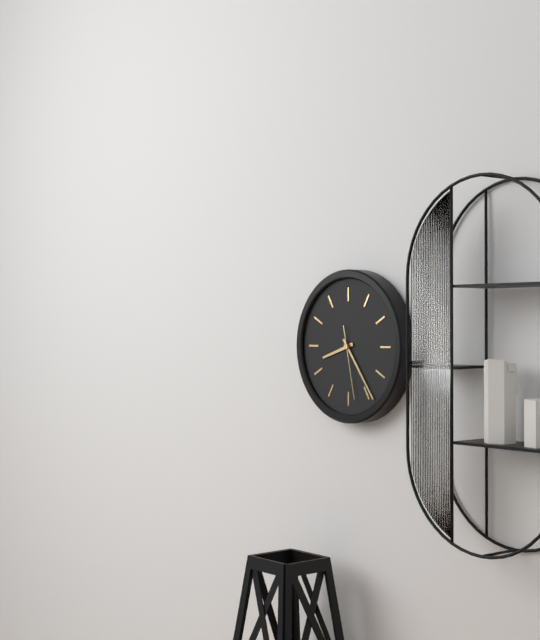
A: 8 h 24 min 28 s
